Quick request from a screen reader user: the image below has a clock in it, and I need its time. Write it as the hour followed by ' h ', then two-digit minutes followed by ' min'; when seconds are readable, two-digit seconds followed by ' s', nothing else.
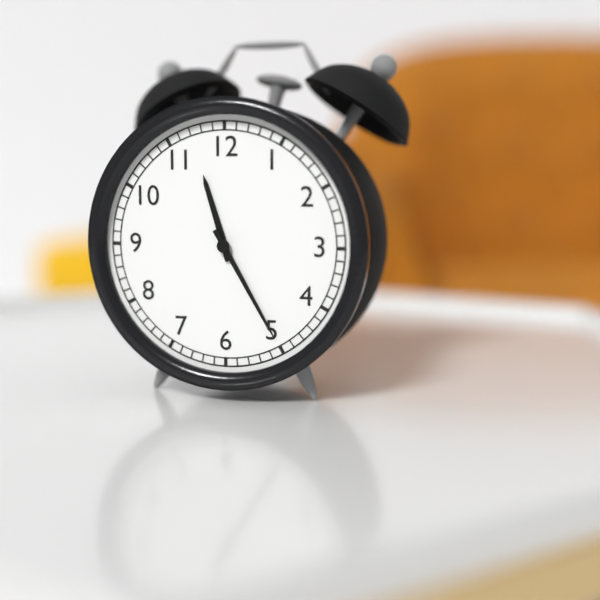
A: 11 h 25 min
